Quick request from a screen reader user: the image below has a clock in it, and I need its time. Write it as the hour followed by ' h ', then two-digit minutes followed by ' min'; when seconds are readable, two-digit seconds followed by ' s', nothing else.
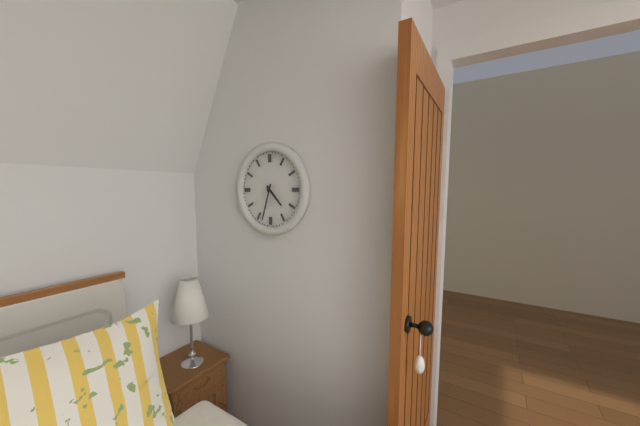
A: 4 h 33 min
